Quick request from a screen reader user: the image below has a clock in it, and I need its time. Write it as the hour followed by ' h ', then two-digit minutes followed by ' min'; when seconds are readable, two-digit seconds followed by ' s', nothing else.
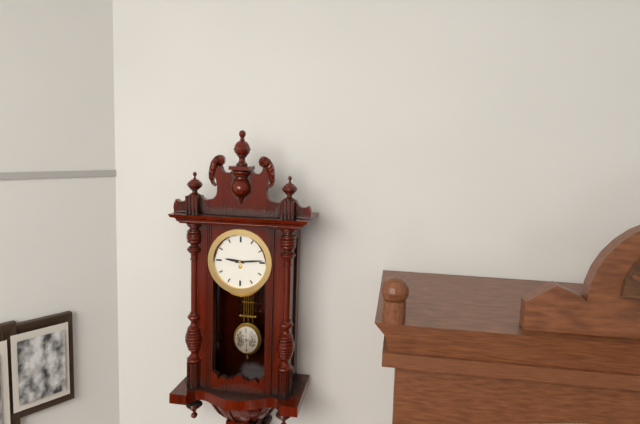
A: 9 h 14 min
